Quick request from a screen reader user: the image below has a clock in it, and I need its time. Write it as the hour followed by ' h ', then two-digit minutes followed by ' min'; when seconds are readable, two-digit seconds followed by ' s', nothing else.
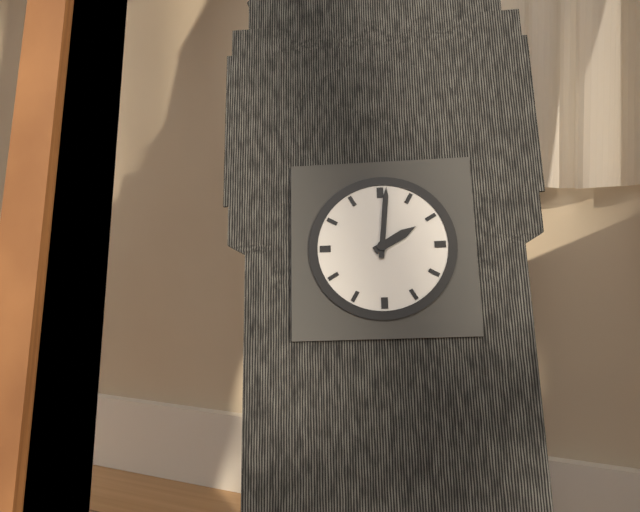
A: 2 h 01 min
